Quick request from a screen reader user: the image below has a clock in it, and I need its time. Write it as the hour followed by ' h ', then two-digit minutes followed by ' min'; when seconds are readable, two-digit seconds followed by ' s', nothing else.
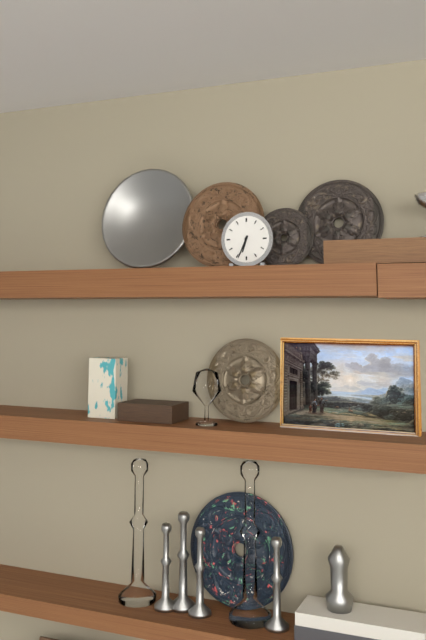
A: 6 h 34 min
